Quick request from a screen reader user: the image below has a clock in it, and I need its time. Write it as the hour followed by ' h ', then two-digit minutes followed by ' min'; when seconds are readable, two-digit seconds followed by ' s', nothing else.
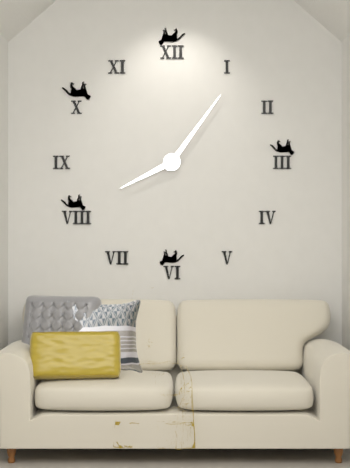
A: 8 h 06 min
